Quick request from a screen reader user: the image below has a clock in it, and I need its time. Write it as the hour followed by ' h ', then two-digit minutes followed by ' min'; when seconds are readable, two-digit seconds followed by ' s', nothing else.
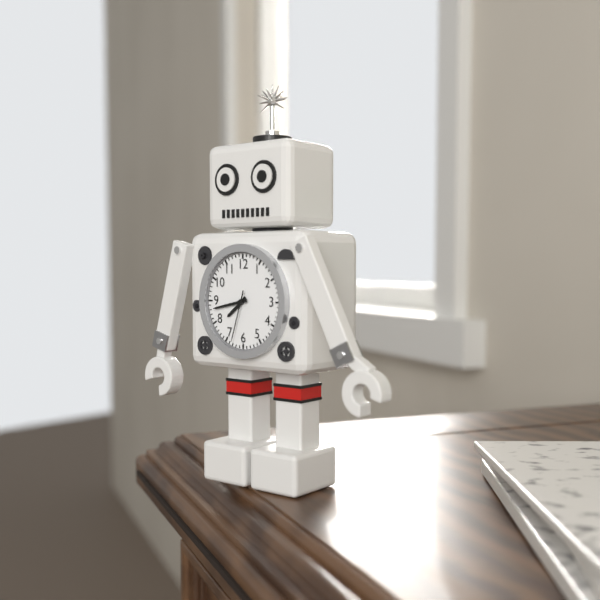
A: 7 h 43 min 33 s
